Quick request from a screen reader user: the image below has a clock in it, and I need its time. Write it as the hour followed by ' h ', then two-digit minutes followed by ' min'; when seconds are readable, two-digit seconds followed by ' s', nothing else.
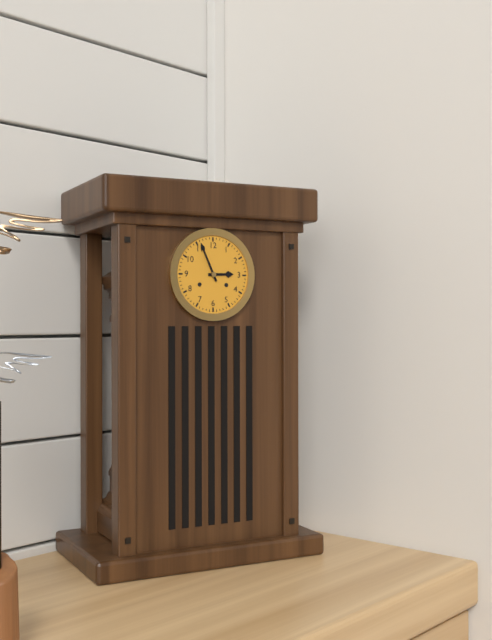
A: 2 h 56 min
